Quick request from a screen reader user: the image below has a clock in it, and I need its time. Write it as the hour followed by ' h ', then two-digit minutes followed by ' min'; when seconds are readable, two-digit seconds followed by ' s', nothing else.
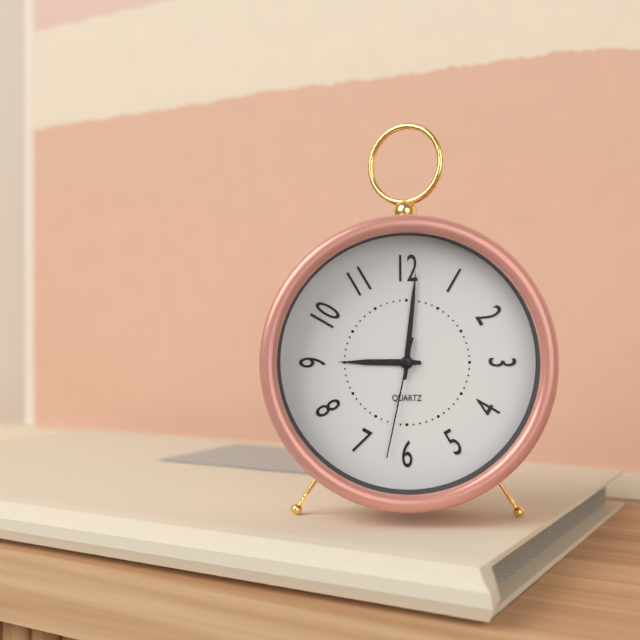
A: 9 h 01 min 32 s
